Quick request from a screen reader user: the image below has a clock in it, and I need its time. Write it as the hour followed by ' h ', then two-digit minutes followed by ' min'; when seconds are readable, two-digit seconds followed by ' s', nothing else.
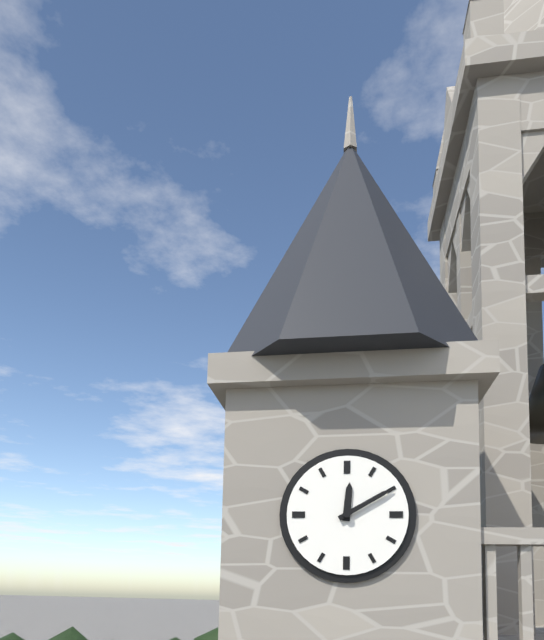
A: 12 h 10 min
